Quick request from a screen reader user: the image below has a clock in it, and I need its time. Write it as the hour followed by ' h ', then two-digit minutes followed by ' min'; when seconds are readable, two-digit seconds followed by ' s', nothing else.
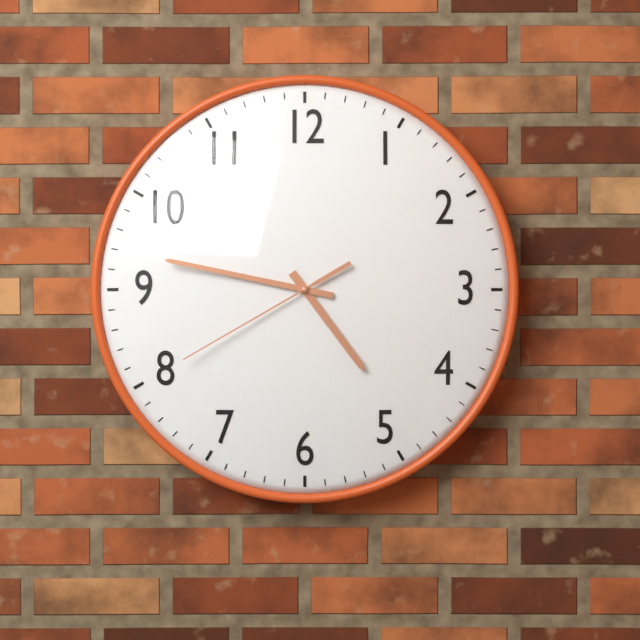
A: 4 h 47 min 40 s
